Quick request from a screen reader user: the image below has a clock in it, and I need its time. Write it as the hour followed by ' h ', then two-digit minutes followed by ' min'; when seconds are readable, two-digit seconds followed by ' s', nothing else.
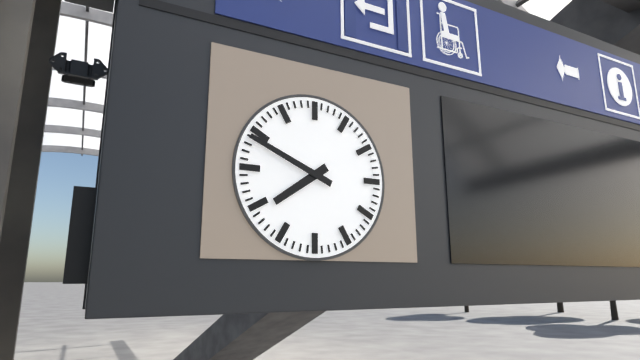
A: 7 h 49 min
